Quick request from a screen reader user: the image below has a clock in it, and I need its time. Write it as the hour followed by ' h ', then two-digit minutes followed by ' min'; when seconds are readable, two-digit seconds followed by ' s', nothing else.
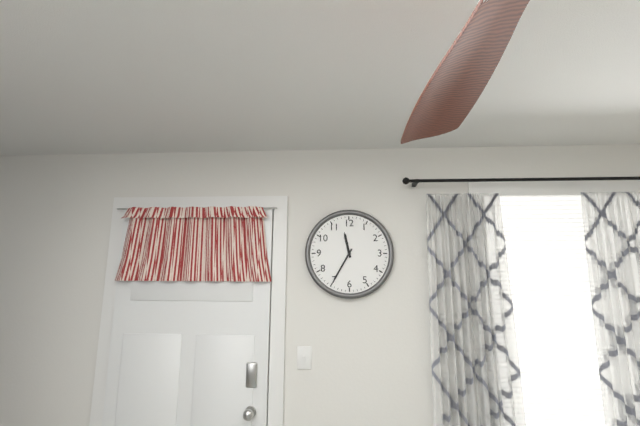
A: 11 h 35 min
